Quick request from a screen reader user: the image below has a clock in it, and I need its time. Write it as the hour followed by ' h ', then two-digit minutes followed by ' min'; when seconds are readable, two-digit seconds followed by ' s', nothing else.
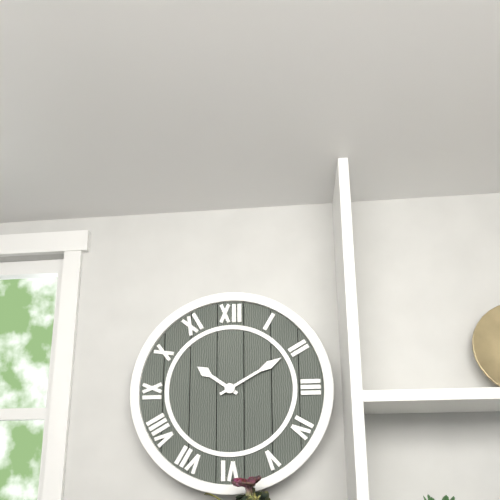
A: 10 h 10 min
